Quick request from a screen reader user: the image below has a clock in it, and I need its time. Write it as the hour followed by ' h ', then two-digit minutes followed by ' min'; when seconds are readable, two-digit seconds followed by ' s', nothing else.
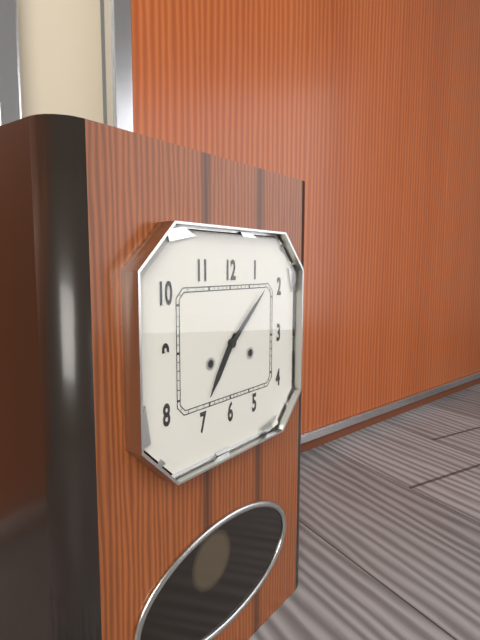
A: 7 h 08 min
